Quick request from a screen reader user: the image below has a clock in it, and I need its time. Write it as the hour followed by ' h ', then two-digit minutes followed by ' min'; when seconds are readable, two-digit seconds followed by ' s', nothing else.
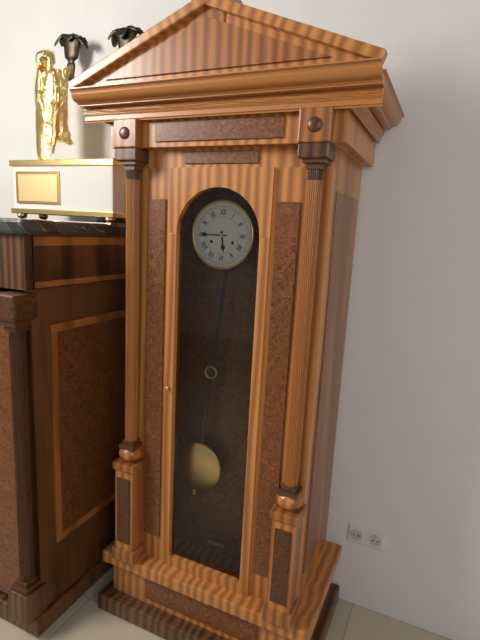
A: 5 h 45 min
